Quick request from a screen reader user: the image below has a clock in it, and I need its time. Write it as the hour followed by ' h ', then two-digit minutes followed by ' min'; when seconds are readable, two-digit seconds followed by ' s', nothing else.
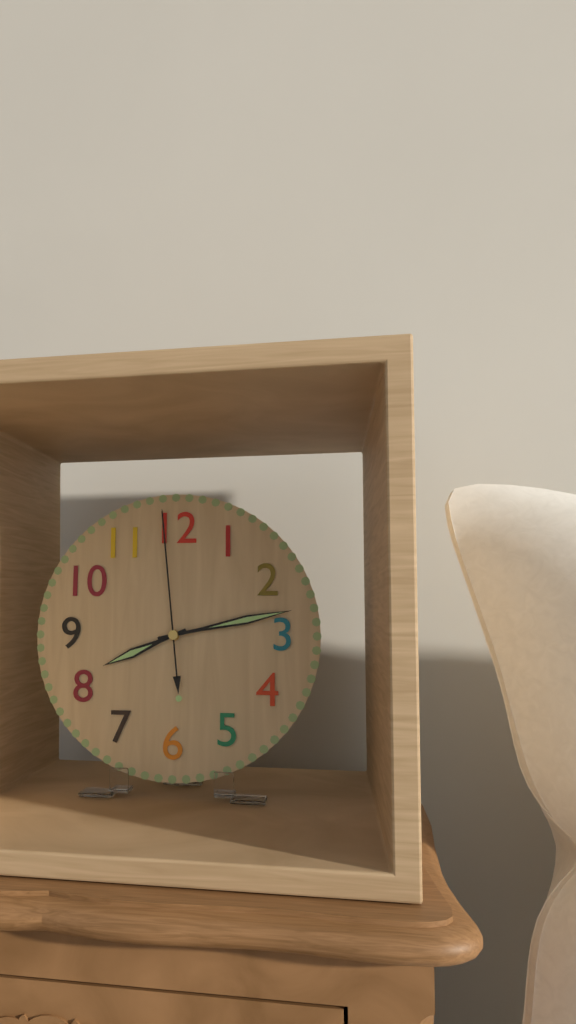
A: 8 h 13 min 59 s
